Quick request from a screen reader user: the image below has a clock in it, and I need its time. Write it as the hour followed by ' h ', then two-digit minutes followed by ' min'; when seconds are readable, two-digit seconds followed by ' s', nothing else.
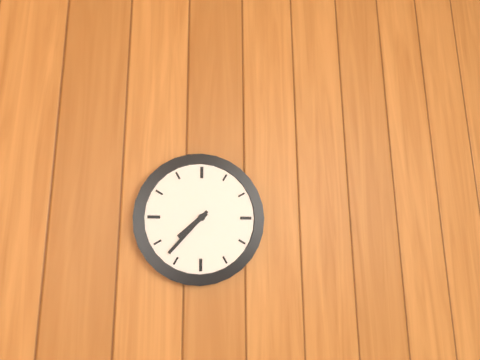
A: 7 h 37 min
